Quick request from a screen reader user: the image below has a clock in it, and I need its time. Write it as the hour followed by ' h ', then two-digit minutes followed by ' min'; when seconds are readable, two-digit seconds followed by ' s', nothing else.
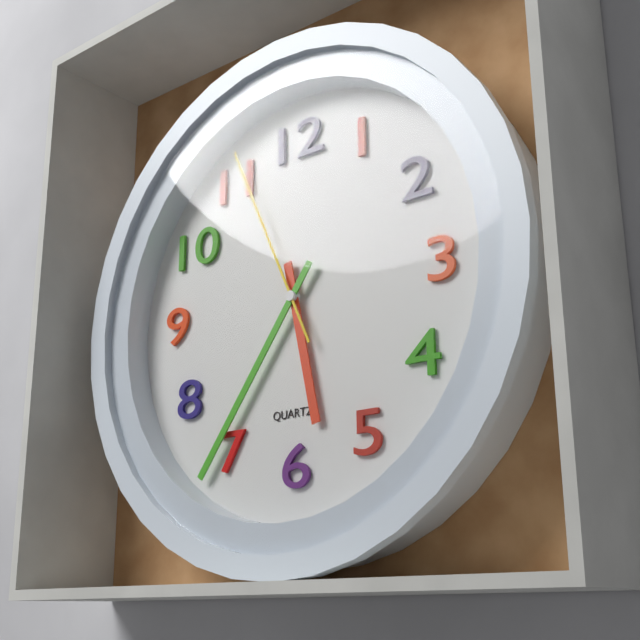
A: 5 h 36 min 56 s
